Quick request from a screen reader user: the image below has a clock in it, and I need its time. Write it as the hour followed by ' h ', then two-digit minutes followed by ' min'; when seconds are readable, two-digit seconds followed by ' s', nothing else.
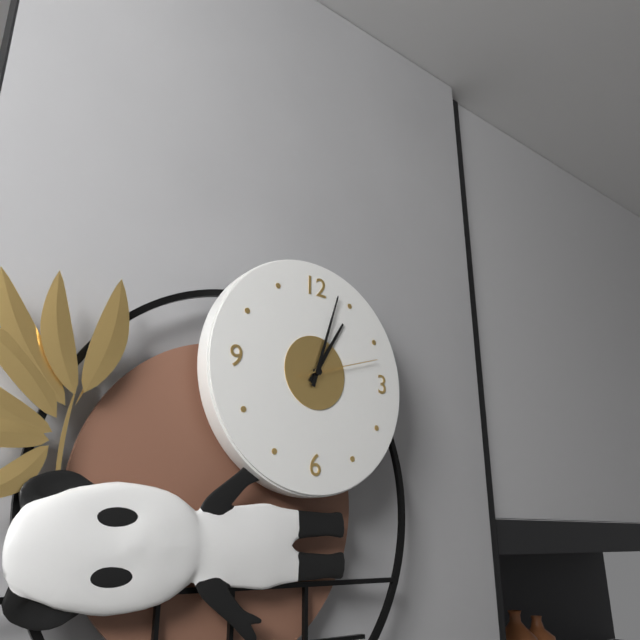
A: 1 h 03 min 12 s
